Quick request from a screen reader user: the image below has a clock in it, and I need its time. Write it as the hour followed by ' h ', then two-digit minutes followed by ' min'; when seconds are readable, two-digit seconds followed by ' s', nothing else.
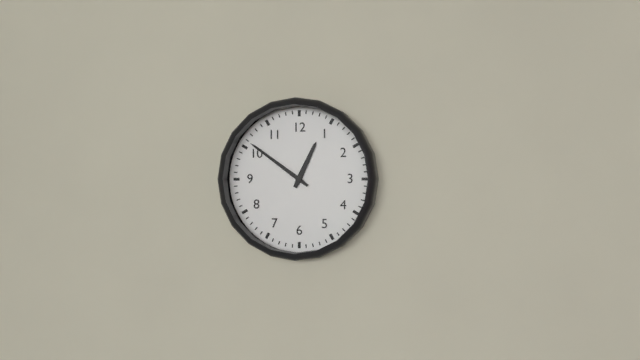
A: 12 h 51 min
